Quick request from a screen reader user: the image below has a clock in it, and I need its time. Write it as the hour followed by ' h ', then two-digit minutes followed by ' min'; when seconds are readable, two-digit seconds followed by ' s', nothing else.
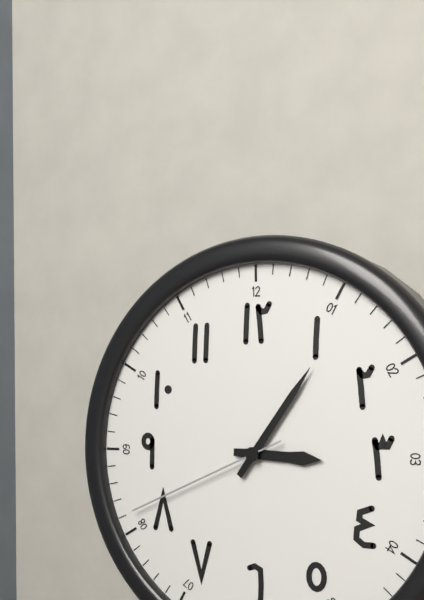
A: 3 h 06 min 41 s
